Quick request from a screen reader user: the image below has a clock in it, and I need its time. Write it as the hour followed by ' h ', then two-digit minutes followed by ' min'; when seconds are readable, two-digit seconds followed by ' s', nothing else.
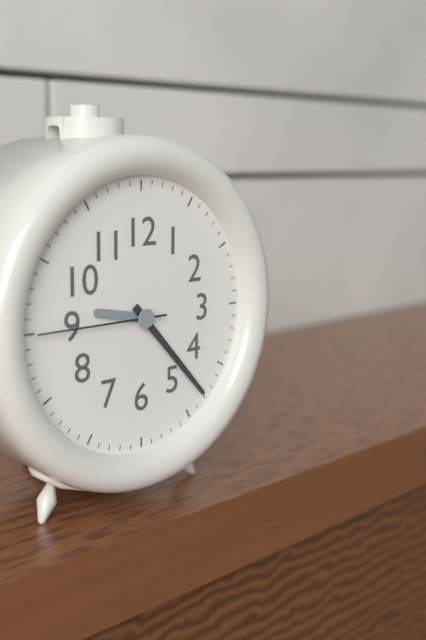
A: 9 h 23 min 45 s
